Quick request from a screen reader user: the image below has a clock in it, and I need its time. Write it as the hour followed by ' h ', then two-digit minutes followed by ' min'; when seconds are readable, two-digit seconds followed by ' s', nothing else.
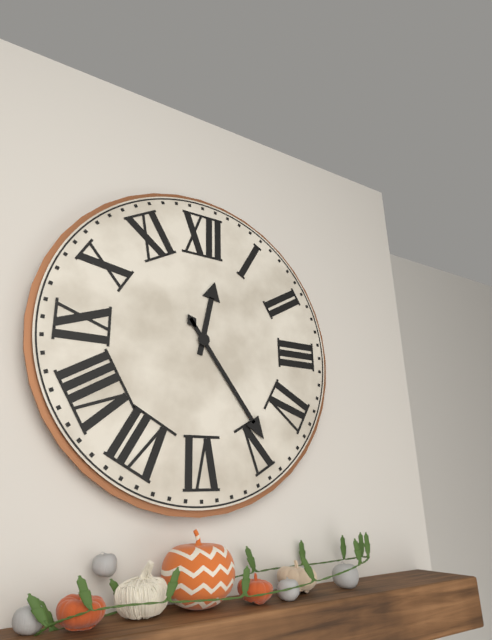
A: 12 h 24 min
